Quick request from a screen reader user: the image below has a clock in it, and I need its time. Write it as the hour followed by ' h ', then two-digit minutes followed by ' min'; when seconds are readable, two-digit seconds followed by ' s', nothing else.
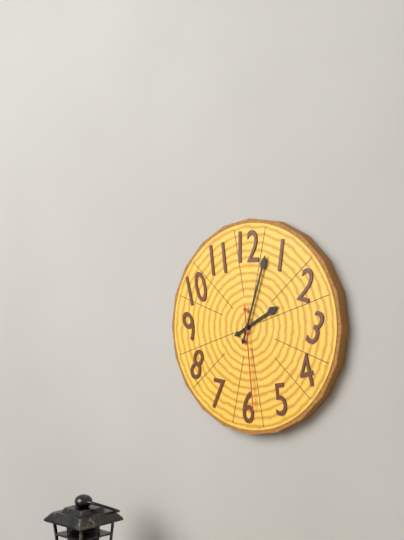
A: 2 h 03 min 29 s
